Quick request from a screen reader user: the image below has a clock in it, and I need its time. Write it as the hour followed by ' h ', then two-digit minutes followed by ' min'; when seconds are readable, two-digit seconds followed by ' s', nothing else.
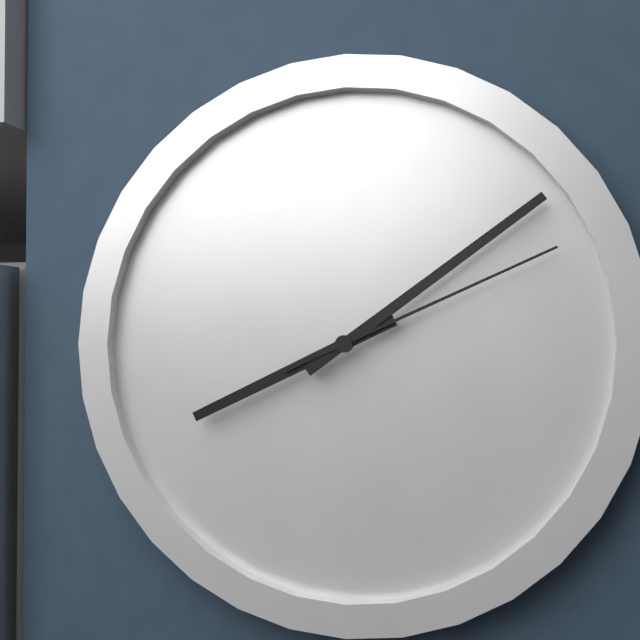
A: 8 h 09 min 11 s
